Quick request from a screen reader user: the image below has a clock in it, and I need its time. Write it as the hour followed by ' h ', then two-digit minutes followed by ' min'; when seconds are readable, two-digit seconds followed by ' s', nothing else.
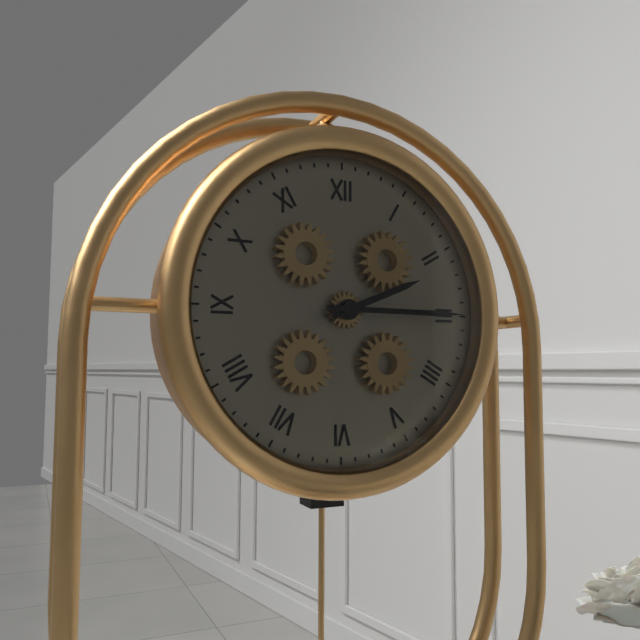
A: 2 h 15 min
